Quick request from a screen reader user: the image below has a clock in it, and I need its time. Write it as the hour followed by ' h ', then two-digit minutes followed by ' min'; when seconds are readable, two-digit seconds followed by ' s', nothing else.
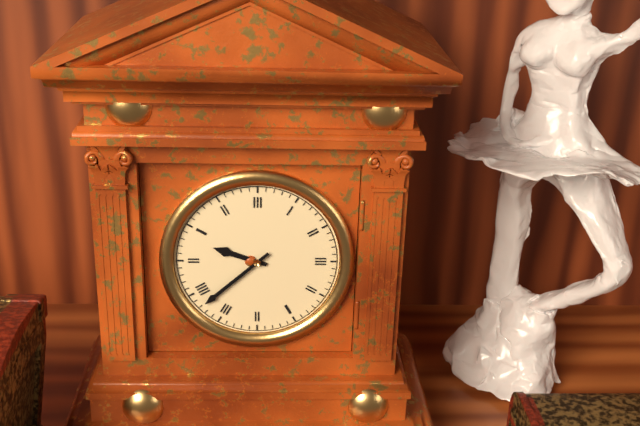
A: 9 h 38 min
